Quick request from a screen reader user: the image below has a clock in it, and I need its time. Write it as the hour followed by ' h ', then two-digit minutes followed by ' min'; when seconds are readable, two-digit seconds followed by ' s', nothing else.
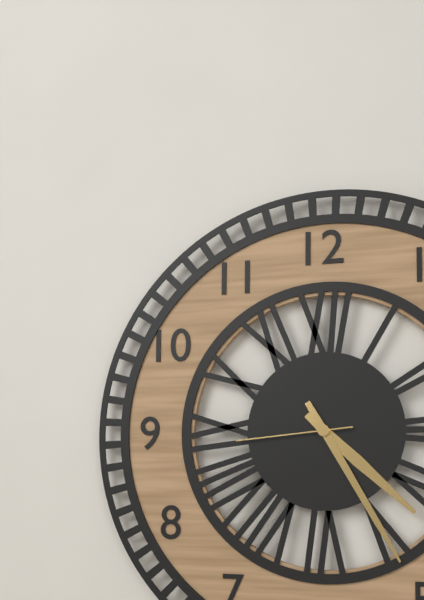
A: 4 h 25 min 44 s
